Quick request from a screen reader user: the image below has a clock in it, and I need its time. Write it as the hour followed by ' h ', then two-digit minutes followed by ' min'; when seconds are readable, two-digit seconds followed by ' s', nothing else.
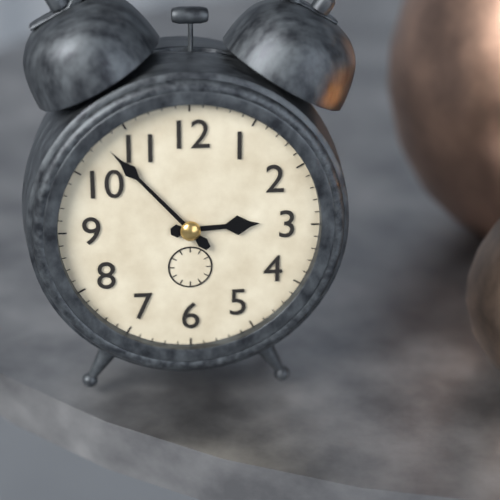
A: 2 h 53 min
